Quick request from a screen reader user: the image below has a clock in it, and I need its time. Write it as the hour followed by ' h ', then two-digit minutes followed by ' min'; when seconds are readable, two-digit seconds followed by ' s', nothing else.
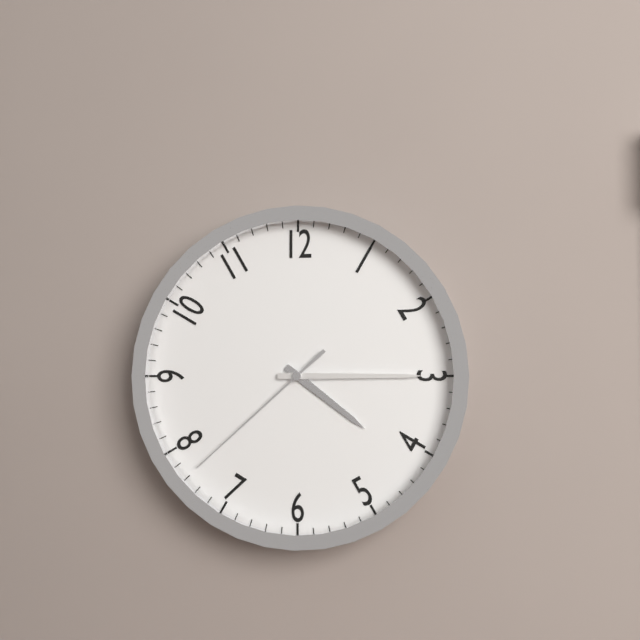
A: 4 h 15 min 38 s
